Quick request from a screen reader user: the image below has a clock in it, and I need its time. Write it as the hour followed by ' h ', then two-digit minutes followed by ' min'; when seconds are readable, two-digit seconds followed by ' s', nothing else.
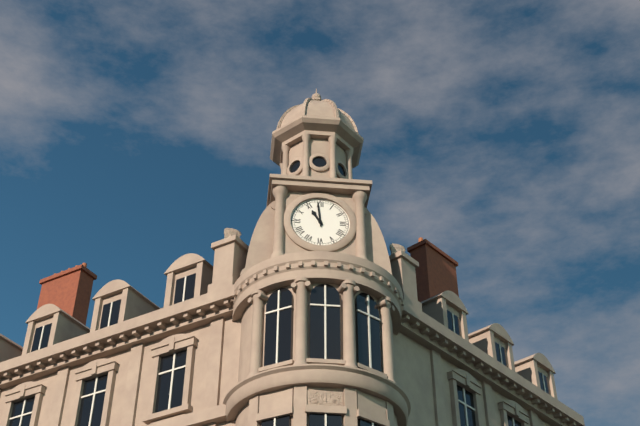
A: 10 h 59 min
